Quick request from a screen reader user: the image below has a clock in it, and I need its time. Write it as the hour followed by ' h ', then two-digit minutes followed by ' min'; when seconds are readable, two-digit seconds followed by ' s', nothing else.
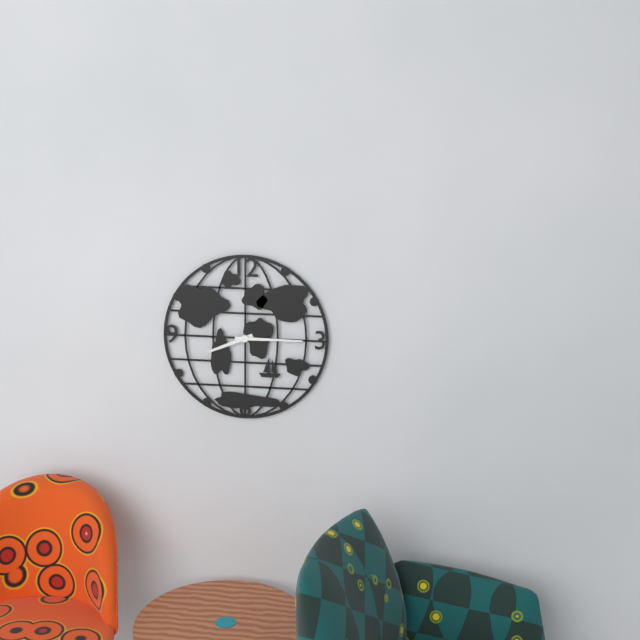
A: 8 h 15 min
